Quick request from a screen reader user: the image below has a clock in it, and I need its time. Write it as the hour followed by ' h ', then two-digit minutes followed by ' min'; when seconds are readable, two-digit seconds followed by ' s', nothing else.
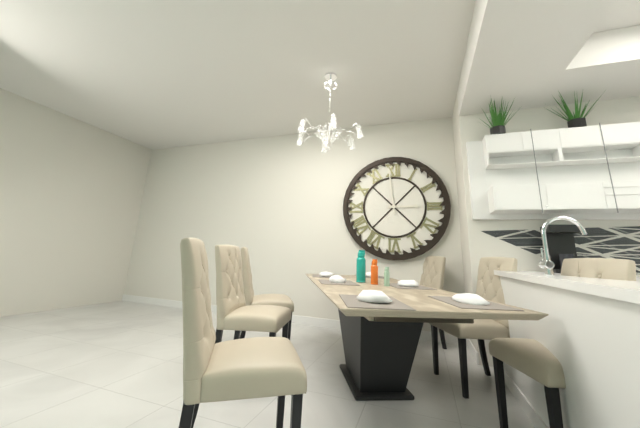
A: 2 h 59 min
